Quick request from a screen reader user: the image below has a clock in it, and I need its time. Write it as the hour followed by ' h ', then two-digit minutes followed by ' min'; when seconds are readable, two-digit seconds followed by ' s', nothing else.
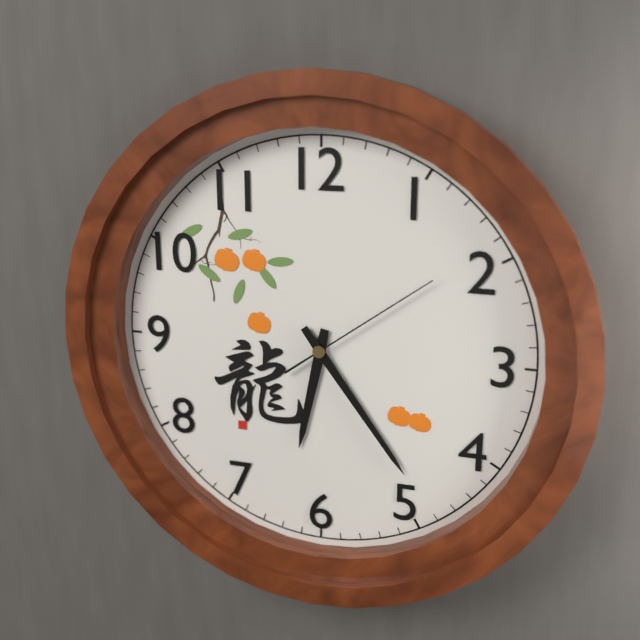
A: 6 h 24 min 09 s
